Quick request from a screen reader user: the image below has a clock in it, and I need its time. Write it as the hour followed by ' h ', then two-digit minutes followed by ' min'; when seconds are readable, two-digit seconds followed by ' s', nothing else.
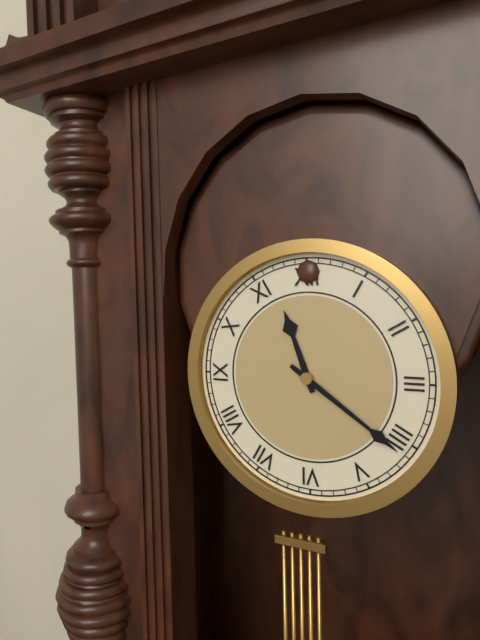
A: 11 h 21 min
